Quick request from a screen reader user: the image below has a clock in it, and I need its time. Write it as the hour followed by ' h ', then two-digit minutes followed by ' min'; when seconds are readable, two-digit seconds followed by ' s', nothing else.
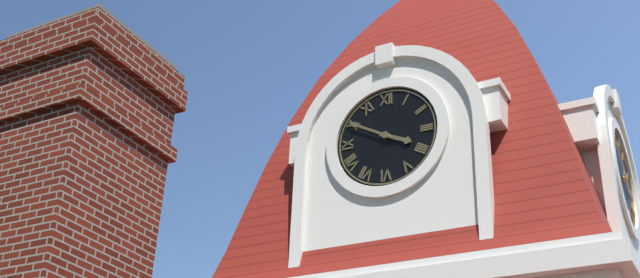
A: 3 h 50 min
